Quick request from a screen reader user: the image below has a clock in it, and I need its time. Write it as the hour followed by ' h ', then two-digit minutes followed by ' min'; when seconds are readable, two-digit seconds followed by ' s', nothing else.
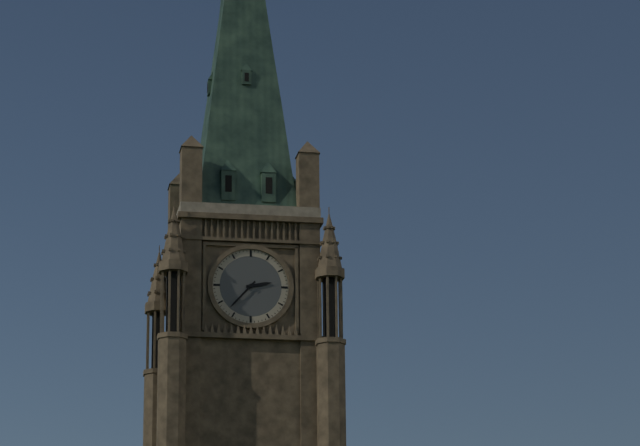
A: 2 h 37 min
